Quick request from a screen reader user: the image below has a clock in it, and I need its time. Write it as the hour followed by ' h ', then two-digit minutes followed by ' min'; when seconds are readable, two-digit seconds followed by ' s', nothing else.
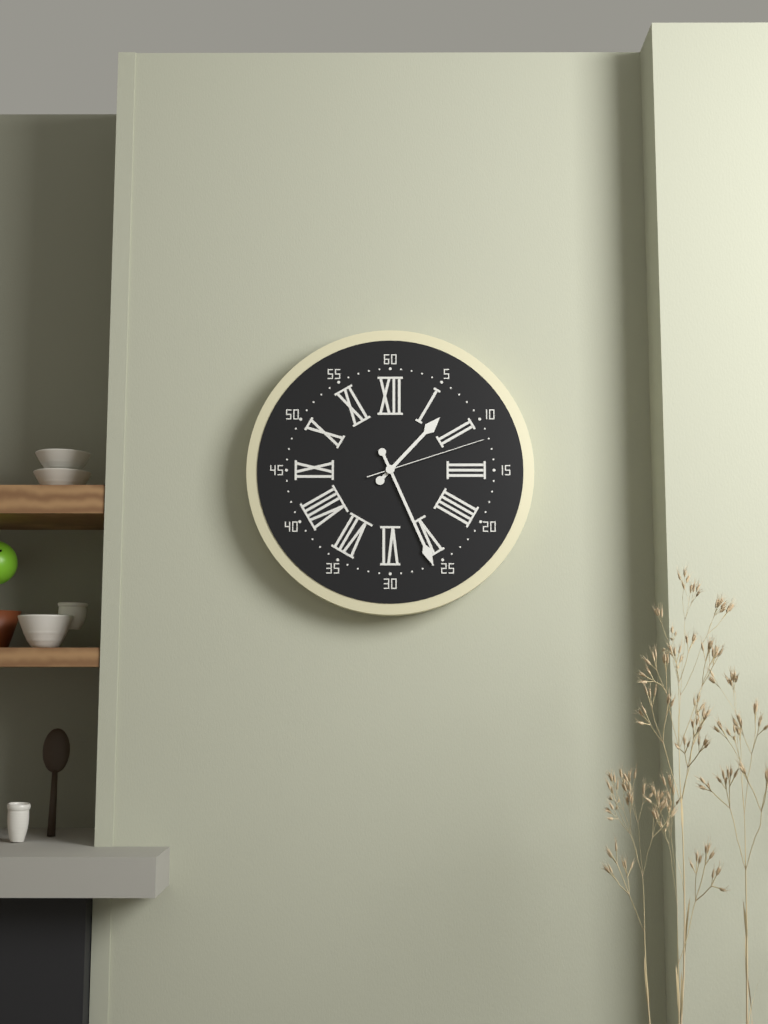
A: 1 h 26 min 12 s
